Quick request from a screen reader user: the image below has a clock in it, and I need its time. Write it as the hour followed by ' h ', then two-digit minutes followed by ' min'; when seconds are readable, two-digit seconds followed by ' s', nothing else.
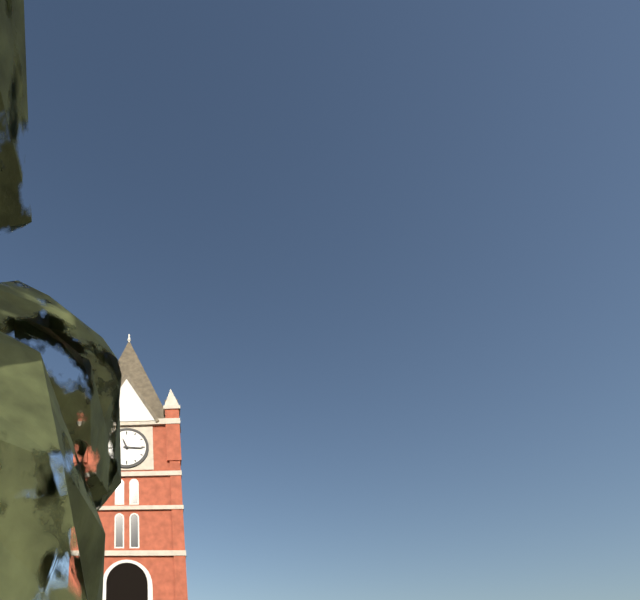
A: 11 h 16 min
